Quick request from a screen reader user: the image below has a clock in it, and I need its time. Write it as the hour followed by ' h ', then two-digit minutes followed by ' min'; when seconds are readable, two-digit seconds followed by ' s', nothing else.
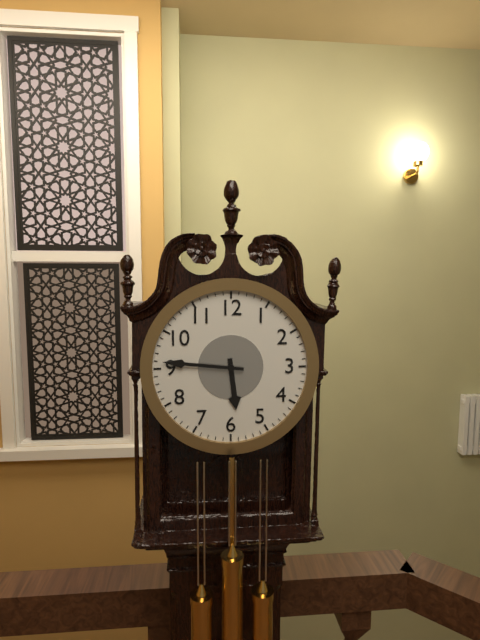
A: 5 h 46 min
